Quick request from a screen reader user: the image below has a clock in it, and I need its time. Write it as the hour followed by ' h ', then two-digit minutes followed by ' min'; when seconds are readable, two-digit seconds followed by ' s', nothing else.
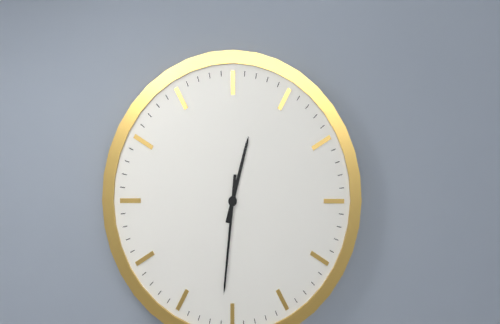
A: 12 h 31 min
